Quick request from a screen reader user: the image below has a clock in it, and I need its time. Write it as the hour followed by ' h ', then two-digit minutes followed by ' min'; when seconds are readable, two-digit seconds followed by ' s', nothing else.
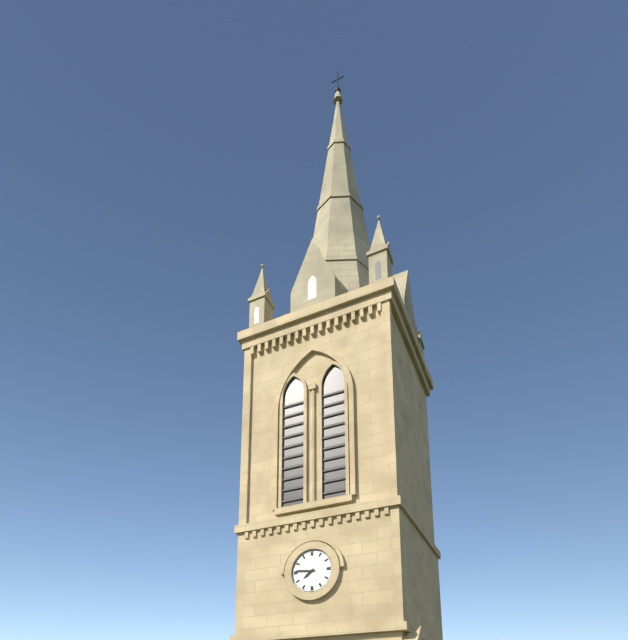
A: 7 h 46 min
